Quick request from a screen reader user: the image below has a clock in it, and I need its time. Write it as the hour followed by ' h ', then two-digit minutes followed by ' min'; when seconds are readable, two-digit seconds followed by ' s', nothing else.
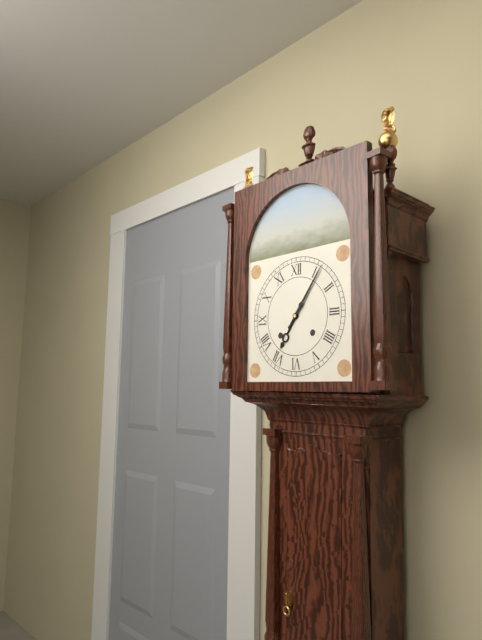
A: 7 h 06 min
